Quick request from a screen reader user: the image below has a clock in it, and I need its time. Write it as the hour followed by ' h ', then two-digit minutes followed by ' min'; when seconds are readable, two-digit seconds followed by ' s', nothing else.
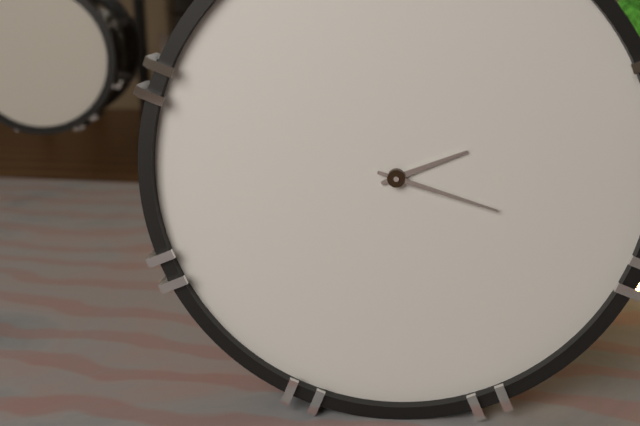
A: 2 h 18 min
